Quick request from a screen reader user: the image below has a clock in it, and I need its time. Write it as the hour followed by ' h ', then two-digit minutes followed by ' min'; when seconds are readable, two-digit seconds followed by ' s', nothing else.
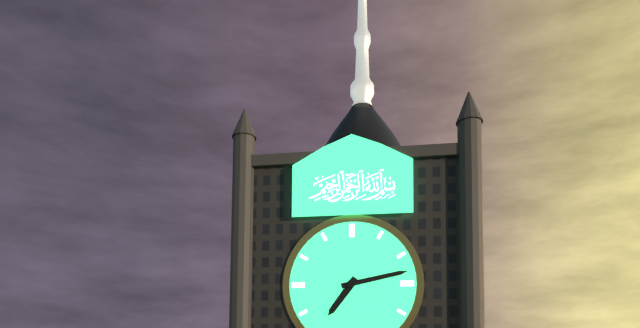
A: 7 h 13 min
